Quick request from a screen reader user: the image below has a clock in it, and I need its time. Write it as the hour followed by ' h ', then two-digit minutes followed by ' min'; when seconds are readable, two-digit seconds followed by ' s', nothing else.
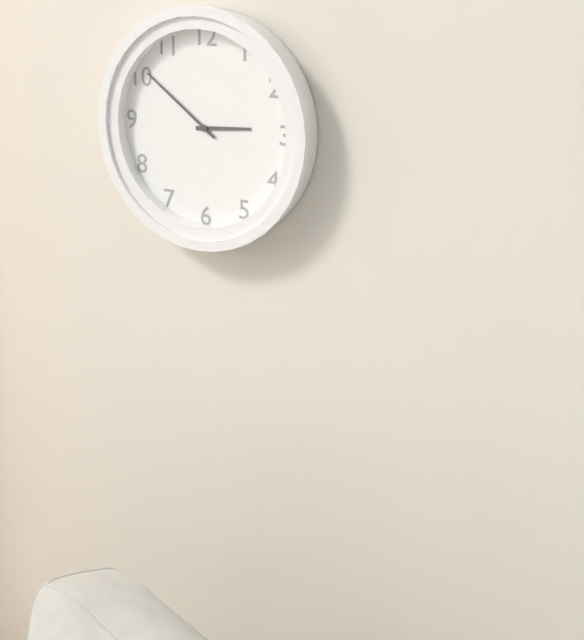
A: 2 h 51 min
